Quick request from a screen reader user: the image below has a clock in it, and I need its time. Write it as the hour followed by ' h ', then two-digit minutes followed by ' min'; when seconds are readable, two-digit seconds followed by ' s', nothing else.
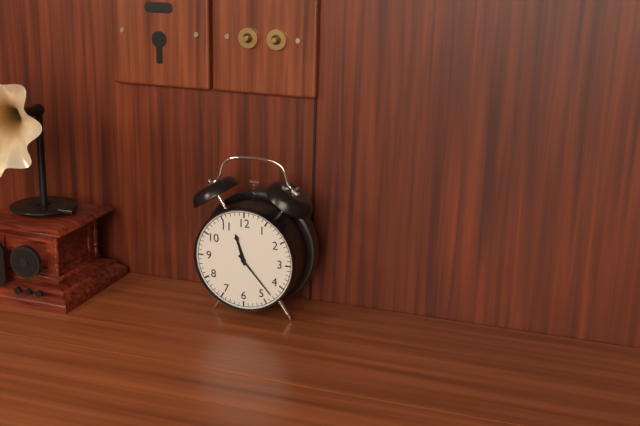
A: 11 h 23 min
